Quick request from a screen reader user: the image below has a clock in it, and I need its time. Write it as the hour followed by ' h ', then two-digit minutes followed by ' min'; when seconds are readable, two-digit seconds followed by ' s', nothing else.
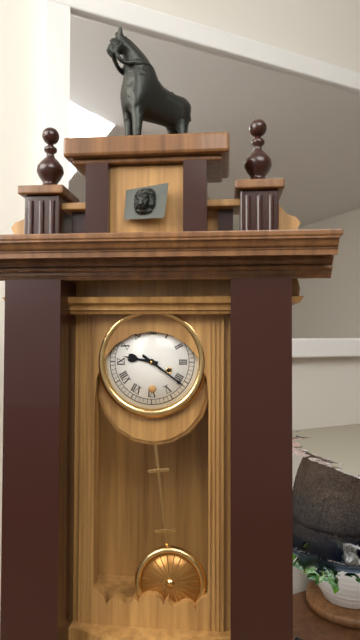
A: 9 h 21 min
